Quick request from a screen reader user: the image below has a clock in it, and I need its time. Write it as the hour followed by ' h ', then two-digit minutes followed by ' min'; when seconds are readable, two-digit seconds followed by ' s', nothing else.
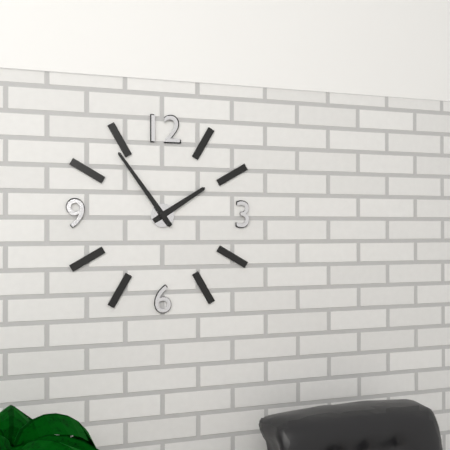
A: 1 h 54 min
